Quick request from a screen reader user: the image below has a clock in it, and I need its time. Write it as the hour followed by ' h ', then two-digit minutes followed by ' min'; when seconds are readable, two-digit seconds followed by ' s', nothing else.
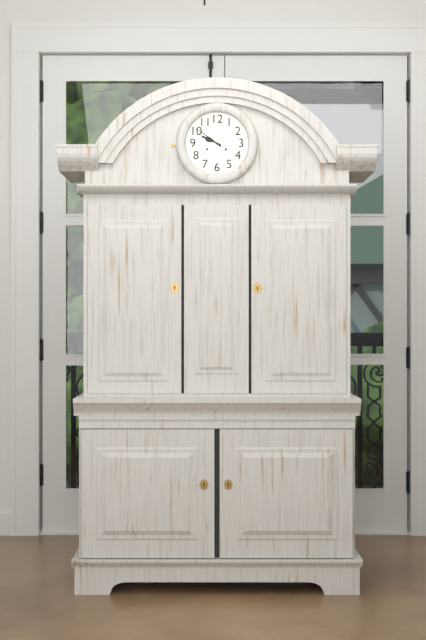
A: 9 h 51 min
